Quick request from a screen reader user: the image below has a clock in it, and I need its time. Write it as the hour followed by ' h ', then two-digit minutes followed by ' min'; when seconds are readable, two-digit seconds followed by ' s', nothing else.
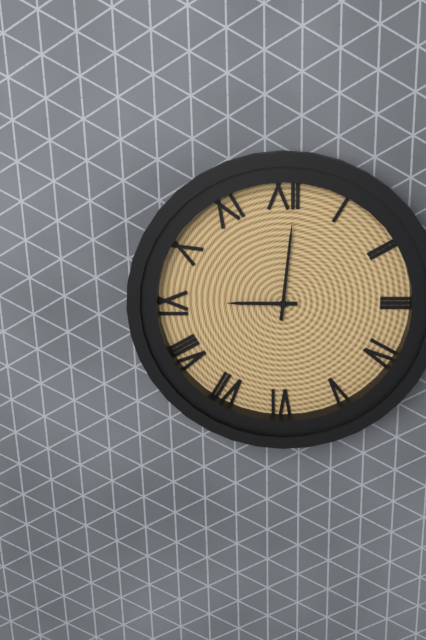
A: 9 h 01 min
